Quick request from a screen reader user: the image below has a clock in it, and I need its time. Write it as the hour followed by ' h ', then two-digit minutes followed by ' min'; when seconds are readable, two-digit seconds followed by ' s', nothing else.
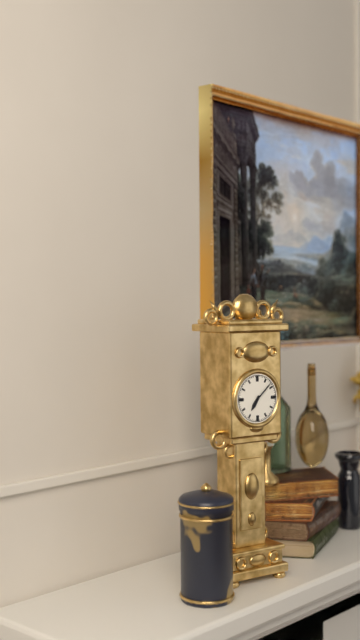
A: 7 h 08 min
